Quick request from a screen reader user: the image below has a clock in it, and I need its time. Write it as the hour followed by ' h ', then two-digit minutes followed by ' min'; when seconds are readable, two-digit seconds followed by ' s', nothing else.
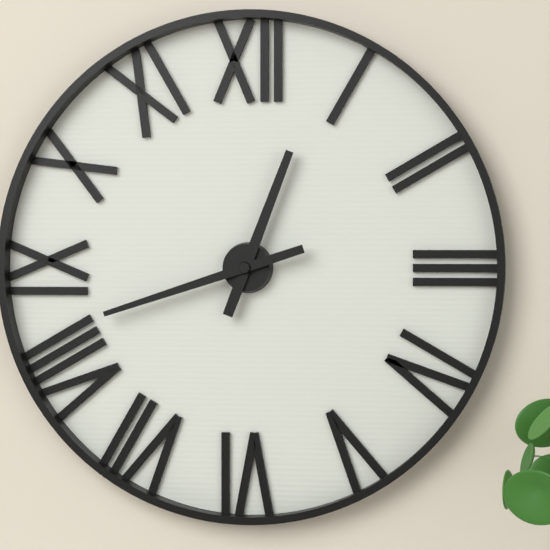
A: 12 h 42 min
